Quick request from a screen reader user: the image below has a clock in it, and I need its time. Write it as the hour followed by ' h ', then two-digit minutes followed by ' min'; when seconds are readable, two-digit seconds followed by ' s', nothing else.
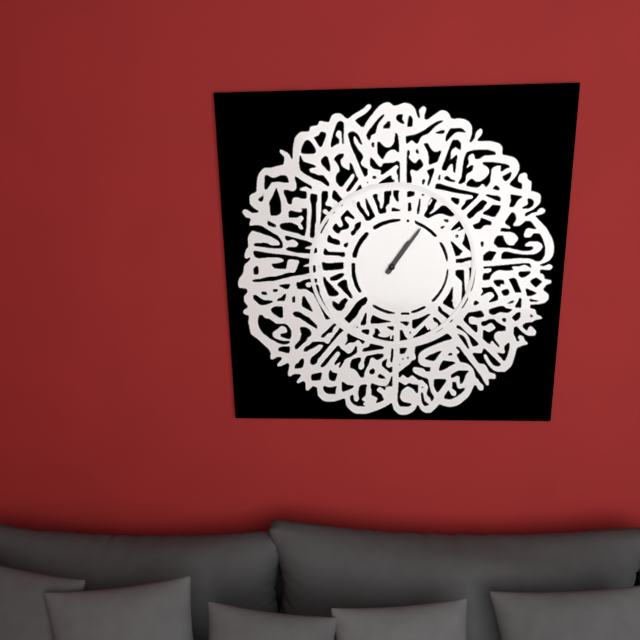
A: 1 h 06 min
